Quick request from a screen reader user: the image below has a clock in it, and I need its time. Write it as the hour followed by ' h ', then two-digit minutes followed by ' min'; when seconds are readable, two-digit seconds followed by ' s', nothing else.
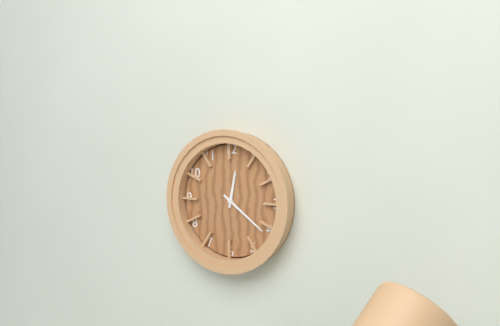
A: 12 h 21 min
